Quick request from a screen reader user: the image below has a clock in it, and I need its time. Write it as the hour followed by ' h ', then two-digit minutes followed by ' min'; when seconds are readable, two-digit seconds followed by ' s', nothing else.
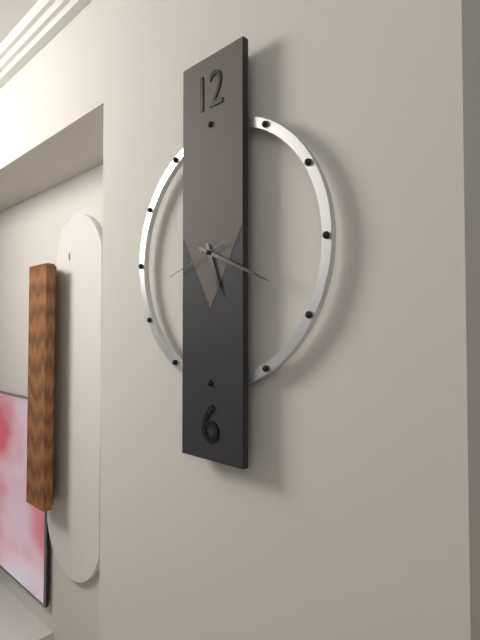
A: 5 h 19 min 42 s
